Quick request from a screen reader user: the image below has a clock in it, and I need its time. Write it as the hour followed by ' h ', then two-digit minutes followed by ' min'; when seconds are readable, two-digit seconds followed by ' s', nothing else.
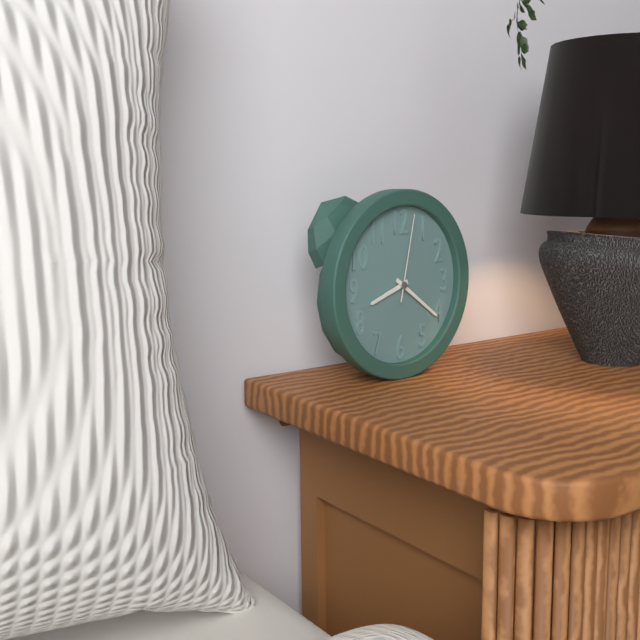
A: 8 h 21 min 02 s
